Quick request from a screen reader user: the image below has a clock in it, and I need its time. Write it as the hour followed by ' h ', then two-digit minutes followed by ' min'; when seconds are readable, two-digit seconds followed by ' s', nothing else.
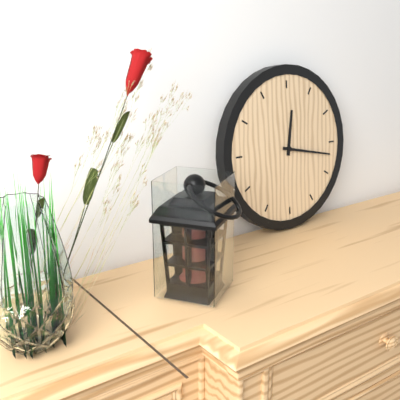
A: 12 h 17 min
